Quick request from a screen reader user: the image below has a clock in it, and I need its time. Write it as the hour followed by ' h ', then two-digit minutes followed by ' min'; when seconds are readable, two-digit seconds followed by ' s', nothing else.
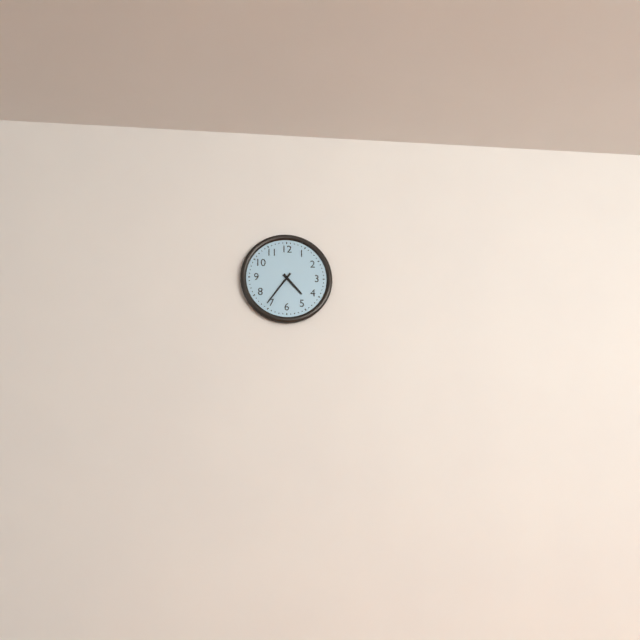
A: 4 h 36 min
